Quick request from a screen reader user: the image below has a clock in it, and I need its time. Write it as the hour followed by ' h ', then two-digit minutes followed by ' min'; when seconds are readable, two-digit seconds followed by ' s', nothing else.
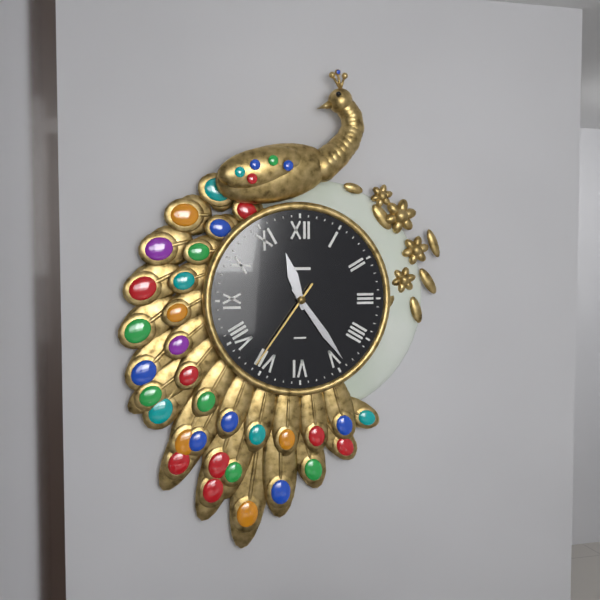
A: 11 h 24 min 36 s
